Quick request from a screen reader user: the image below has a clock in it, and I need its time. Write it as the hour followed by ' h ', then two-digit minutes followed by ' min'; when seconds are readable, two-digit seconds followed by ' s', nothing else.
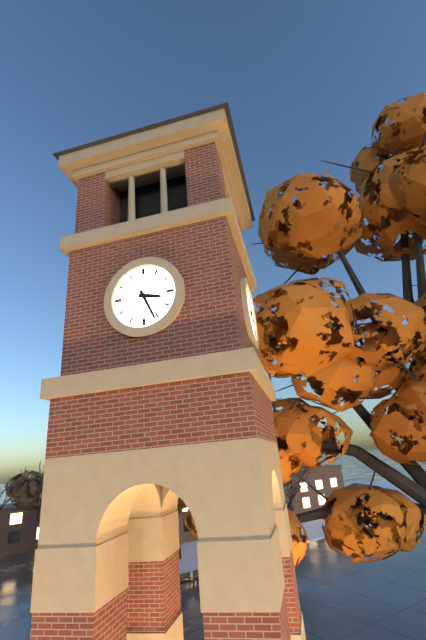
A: 3 h 26 min
